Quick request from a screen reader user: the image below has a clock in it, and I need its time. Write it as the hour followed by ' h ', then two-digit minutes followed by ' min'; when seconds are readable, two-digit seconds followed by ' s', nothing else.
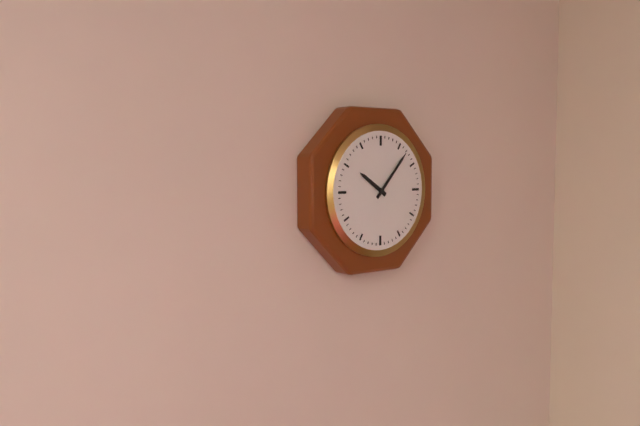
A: 10 h 07 min
